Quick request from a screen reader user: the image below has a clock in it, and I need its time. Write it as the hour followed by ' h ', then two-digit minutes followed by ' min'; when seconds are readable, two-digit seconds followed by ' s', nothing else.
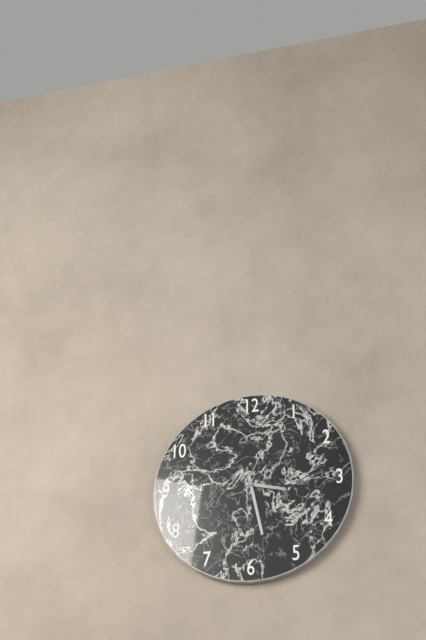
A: 3 h 28 min
